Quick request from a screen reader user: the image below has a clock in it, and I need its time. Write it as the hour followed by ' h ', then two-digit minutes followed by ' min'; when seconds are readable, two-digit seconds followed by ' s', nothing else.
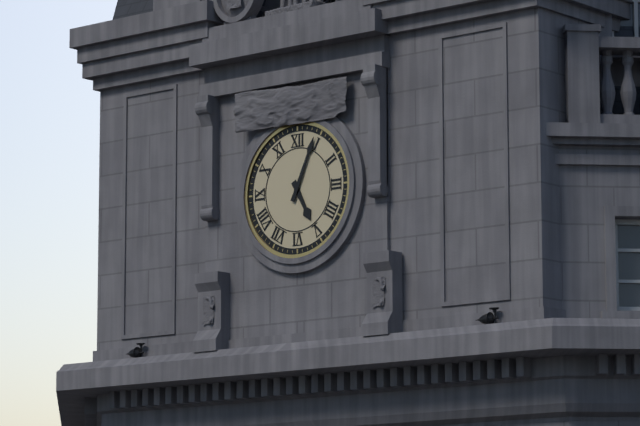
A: 5 h 04 min
